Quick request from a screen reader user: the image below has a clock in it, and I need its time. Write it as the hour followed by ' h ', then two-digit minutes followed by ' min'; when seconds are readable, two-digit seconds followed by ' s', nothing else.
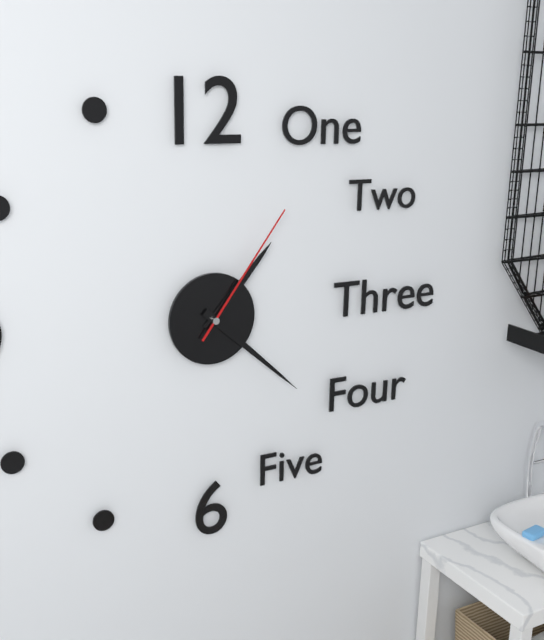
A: 1 h 22 min 06 s
